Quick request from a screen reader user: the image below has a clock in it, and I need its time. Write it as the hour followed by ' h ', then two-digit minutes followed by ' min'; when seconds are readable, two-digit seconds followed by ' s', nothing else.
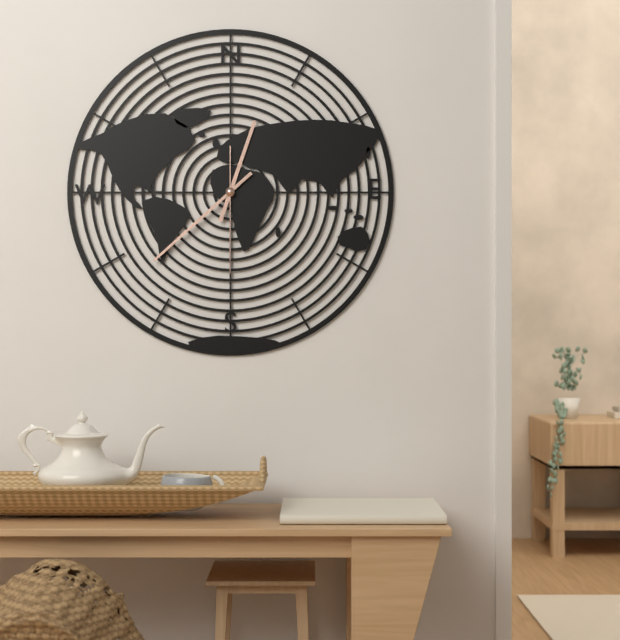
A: 12 h 38 min 30 s
